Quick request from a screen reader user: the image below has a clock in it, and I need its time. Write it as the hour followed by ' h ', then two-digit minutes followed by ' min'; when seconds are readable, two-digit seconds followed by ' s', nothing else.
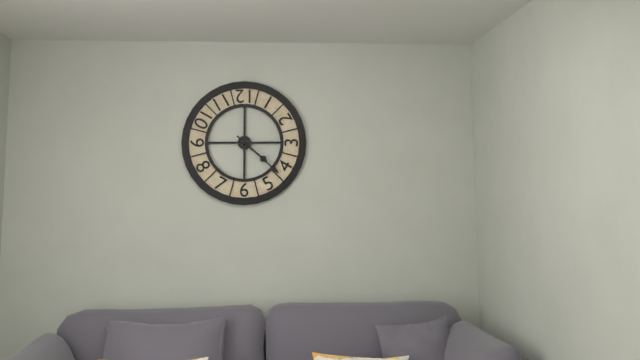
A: 4 h 22 min
